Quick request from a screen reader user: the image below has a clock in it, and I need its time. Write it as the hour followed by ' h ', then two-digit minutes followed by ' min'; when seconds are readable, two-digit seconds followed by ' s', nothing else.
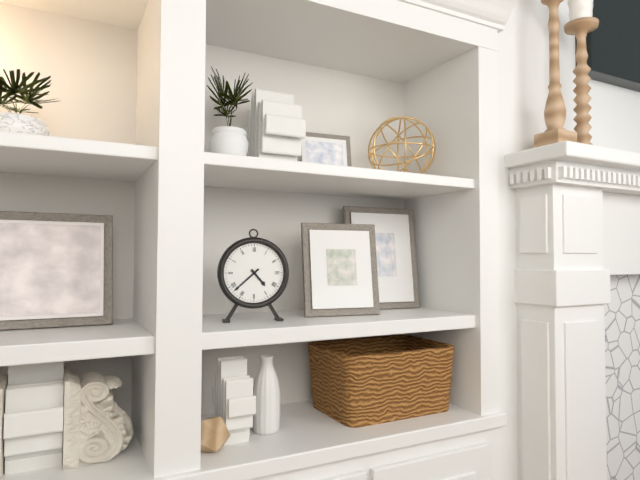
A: 4 h 38 min
